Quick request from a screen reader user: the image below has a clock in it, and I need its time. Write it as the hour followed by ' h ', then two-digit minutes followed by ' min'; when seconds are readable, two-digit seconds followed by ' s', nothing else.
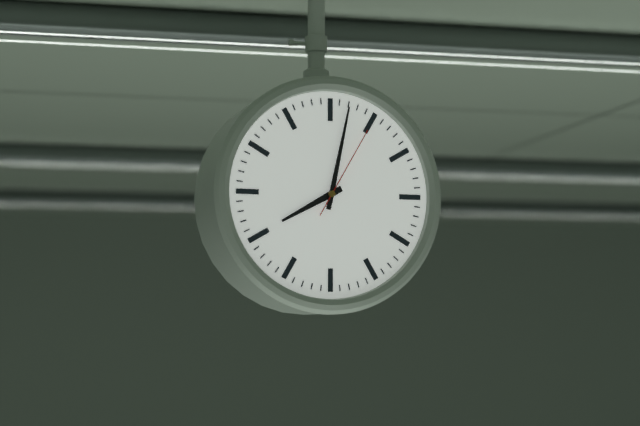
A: 8 h 02 min 05 s
